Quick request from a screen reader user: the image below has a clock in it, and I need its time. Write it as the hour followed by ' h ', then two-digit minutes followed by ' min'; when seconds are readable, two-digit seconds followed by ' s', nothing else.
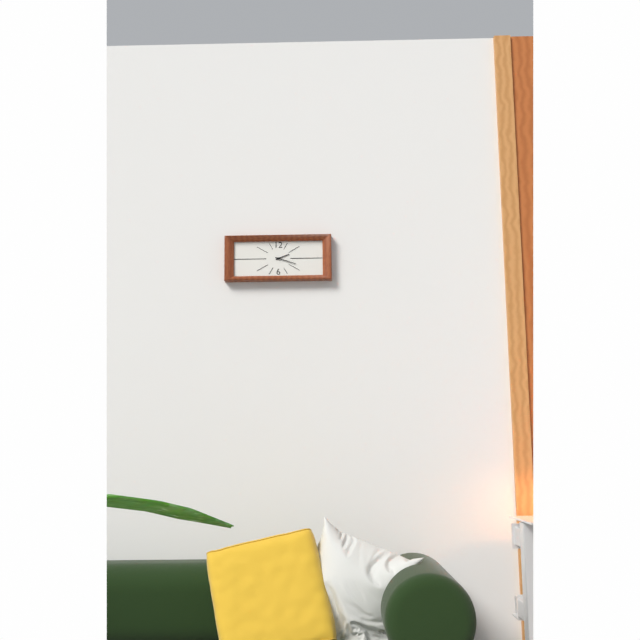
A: 2 h 18 min
